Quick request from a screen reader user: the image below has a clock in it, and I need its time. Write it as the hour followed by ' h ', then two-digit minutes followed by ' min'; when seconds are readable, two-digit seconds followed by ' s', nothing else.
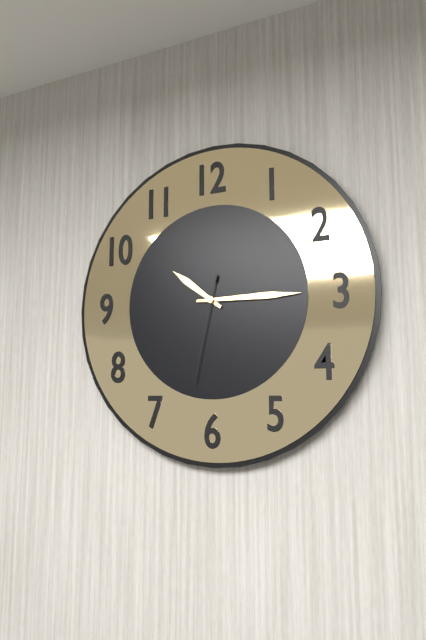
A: 10 h 15 min 32 s
